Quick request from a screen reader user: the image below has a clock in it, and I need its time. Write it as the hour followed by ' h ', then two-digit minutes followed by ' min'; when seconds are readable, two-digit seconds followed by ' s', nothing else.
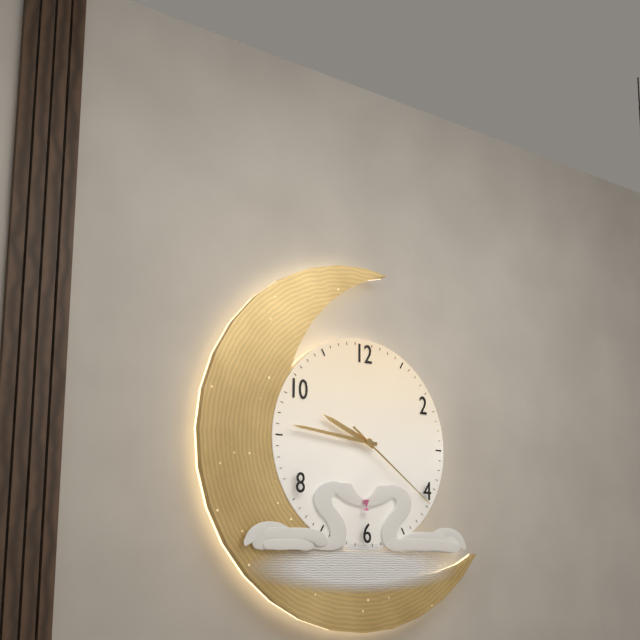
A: 9 h 46 min 21 s
